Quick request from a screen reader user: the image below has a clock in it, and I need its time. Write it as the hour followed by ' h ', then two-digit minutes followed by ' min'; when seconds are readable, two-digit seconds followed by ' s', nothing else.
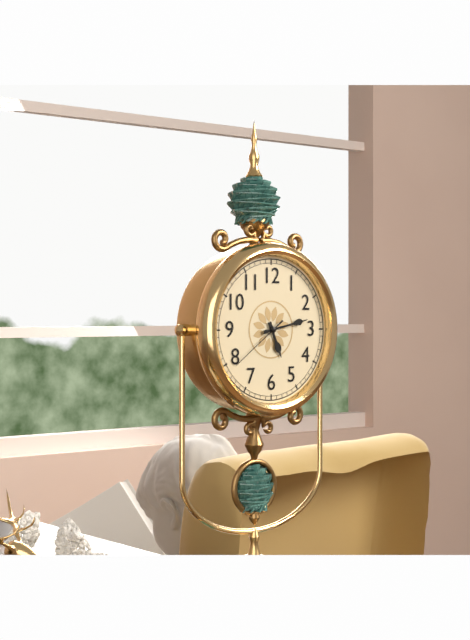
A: 5 h 13 min 39 s
